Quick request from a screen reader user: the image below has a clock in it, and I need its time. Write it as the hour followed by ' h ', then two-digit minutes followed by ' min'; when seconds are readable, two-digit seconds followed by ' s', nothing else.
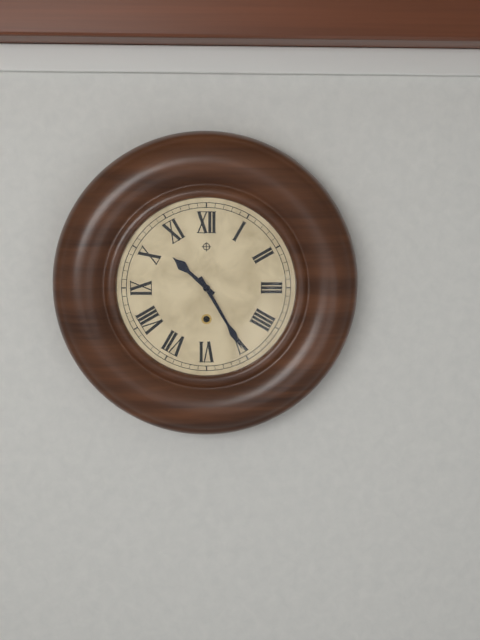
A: 10 h 25 min
